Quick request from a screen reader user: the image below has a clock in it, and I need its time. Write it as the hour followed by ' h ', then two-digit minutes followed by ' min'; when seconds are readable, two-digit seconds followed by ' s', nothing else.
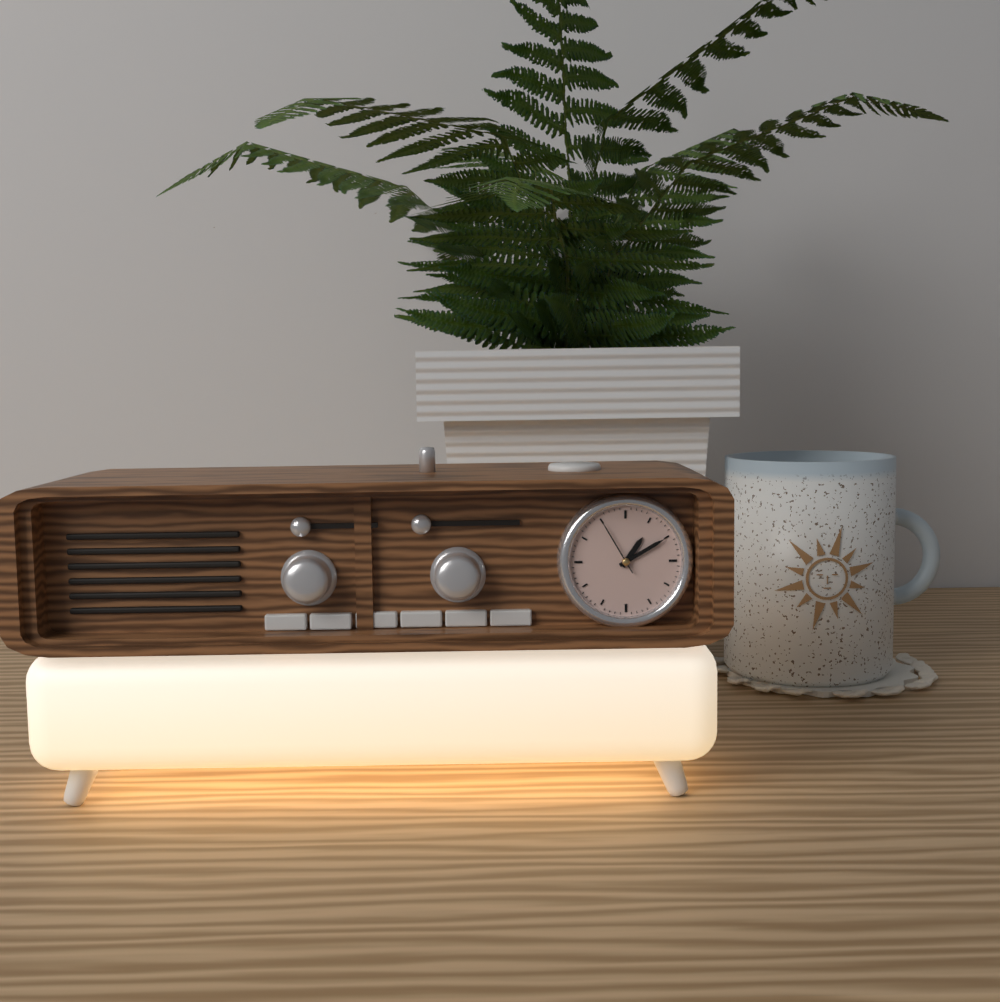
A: 1 h 10 min 55 s
